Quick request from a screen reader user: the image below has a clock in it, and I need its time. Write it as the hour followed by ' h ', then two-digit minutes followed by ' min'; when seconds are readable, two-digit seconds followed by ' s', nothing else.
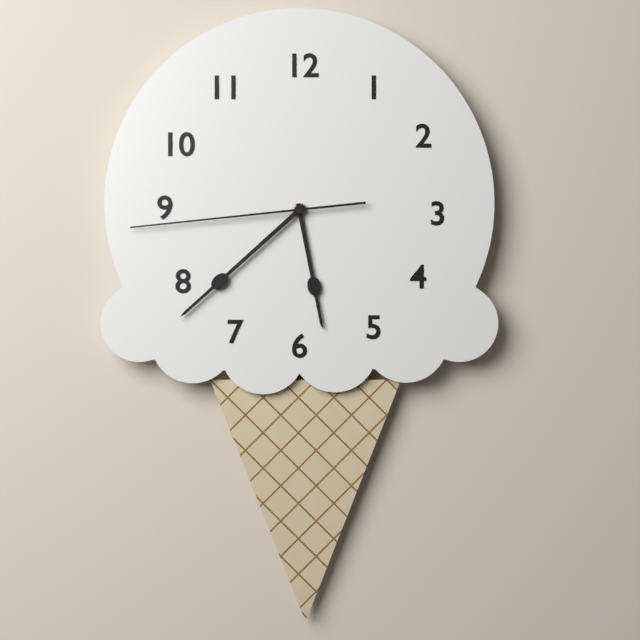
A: 5 h 38 min 44 s
